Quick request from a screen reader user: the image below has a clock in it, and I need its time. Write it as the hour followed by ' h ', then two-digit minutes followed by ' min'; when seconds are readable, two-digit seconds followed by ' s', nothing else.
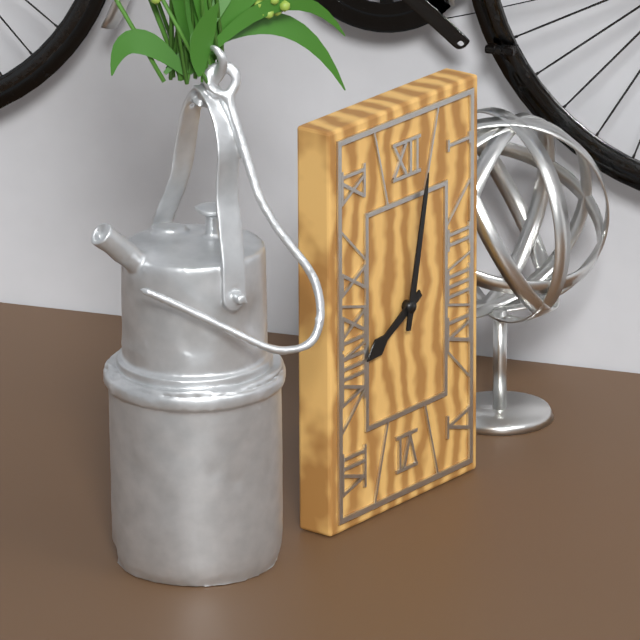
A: 8 h 02 min
